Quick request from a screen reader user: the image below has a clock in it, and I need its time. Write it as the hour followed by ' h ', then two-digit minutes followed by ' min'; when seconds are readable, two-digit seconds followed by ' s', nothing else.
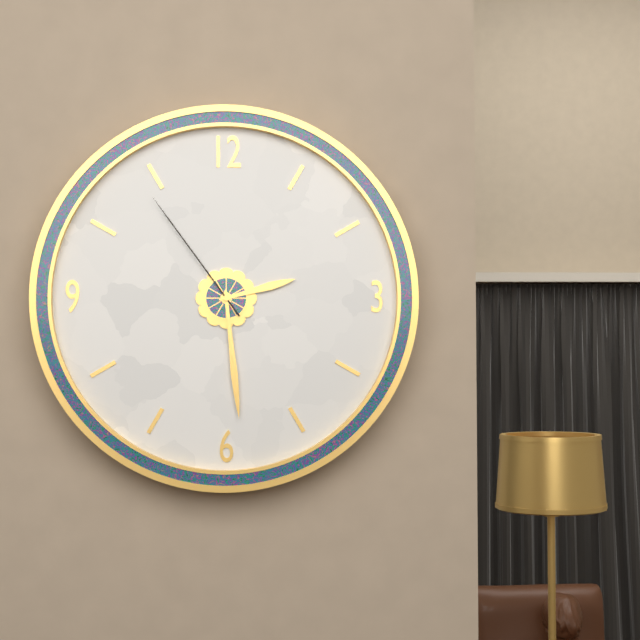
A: 2 h 29 min 54 s
